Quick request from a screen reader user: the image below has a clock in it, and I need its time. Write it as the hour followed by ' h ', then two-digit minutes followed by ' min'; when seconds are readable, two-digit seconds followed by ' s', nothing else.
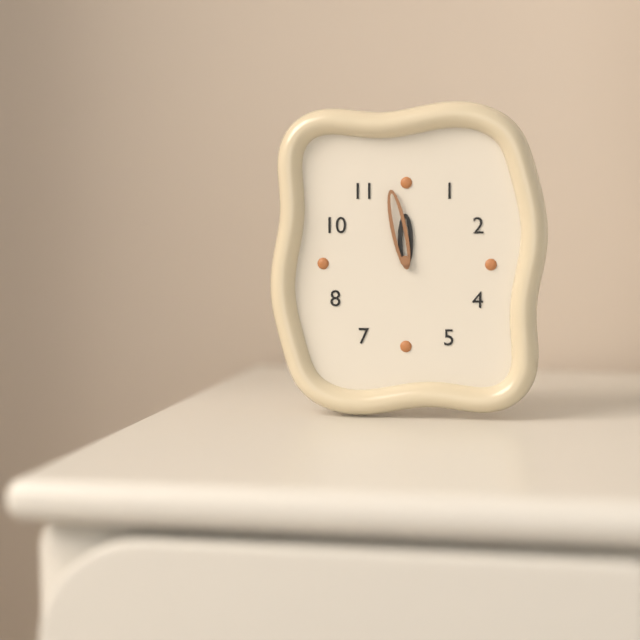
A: 11 h 58 min
